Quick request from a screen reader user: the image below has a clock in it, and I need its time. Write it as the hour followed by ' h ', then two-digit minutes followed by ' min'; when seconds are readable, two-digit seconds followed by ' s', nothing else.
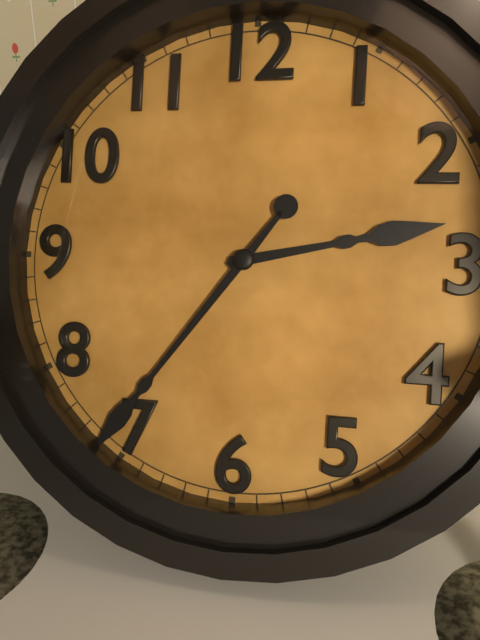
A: 2 h 36 min
